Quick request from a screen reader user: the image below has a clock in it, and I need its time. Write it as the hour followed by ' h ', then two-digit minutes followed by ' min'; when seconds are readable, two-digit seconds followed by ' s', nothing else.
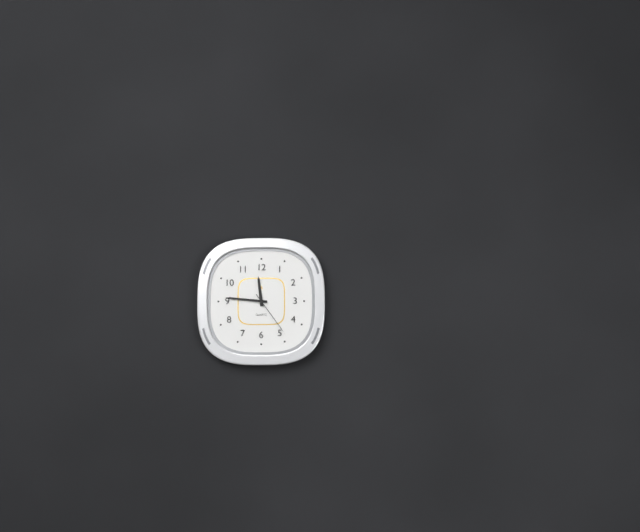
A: 11 h 46 min
